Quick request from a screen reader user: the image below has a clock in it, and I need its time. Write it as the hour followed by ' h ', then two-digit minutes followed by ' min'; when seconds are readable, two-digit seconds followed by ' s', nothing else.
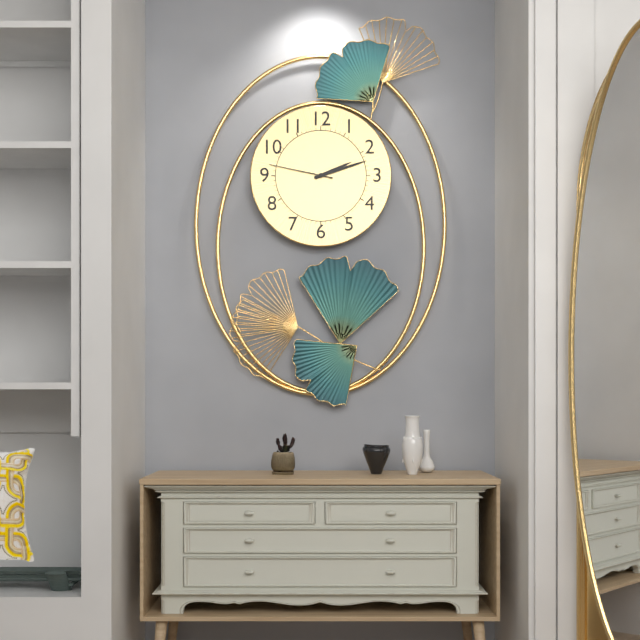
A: 2 h 12 min 47 s
